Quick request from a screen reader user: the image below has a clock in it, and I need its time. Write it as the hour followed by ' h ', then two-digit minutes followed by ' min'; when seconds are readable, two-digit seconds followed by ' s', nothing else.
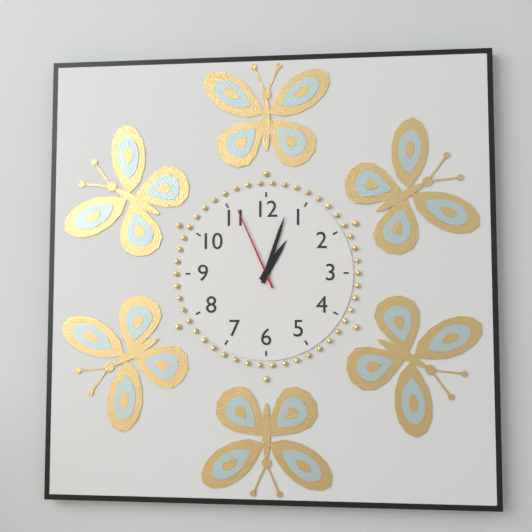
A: 1 h 03 min 56 s
